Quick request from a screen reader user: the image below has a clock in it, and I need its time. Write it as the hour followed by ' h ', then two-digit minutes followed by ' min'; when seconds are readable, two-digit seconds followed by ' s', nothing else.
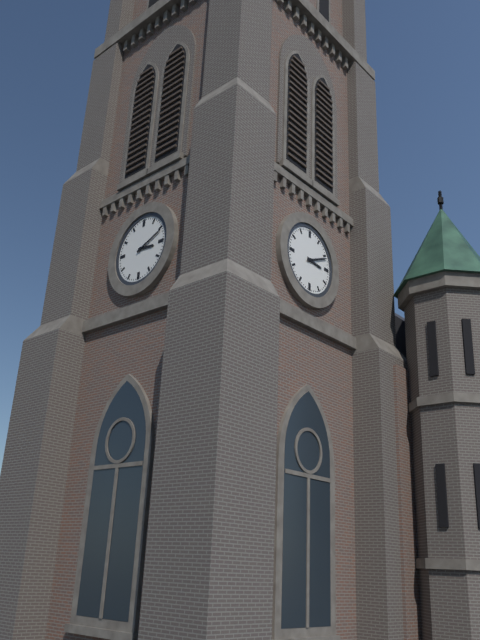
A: 3 h 11 min
